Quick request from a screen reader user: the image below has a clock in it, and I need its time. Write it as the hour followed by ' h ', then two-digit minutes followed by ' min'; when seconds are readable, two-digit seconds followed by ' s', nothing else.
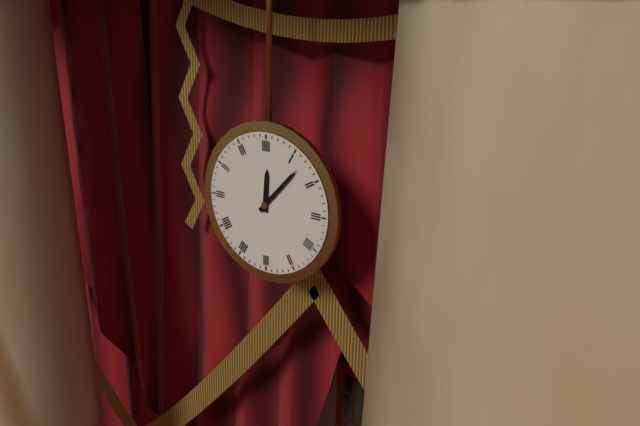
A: 12 h 07 min
